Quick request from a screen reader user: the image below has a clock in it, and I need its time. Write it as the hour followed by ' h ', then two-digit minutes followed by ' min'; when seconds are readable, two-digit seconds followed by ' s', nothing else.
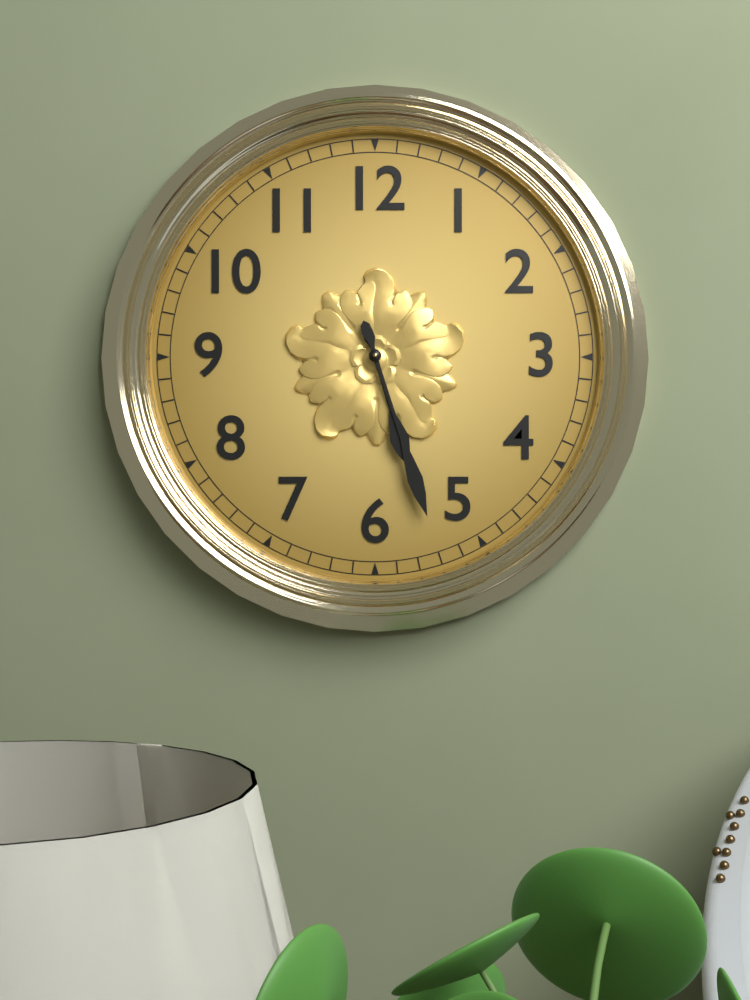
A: 5 h 27 min
